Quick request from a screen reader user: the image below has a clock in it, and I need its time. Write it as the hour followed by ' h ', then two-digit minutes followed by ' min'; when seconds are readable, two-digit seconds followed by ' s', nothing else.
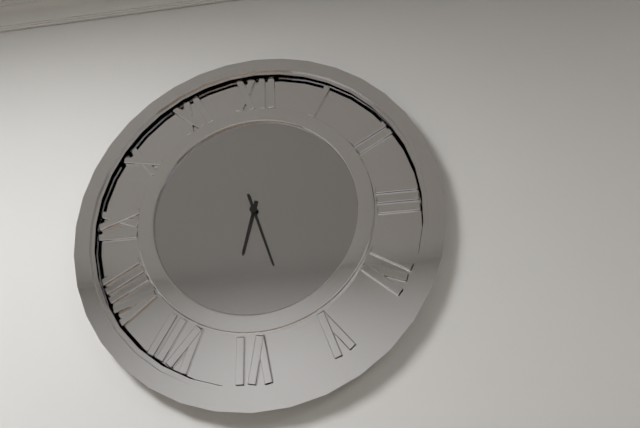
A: 6 h 27 min
